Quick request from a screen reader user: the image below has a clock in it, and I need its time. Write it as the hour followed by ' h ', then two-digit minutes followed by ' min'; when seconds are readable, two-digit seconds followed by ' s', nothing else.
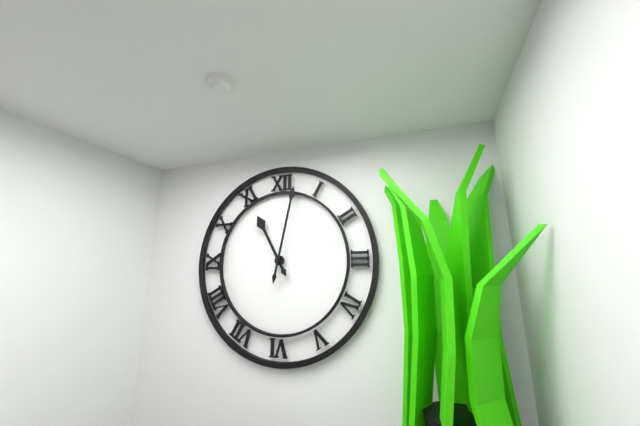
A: 11 h 02 min
